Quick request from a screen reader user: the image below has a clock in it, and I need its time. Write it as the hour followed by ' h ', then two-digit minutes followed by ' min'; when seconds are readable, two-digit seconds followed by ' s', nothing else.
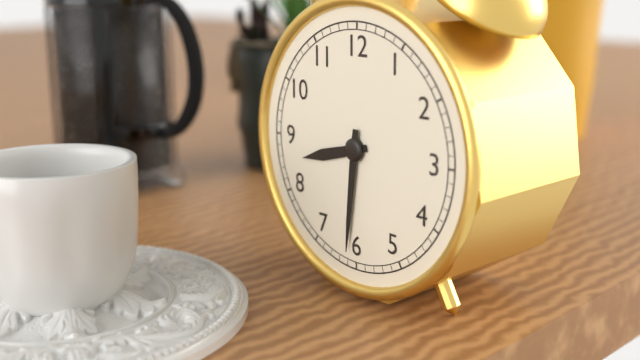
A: 8 h 31 min
